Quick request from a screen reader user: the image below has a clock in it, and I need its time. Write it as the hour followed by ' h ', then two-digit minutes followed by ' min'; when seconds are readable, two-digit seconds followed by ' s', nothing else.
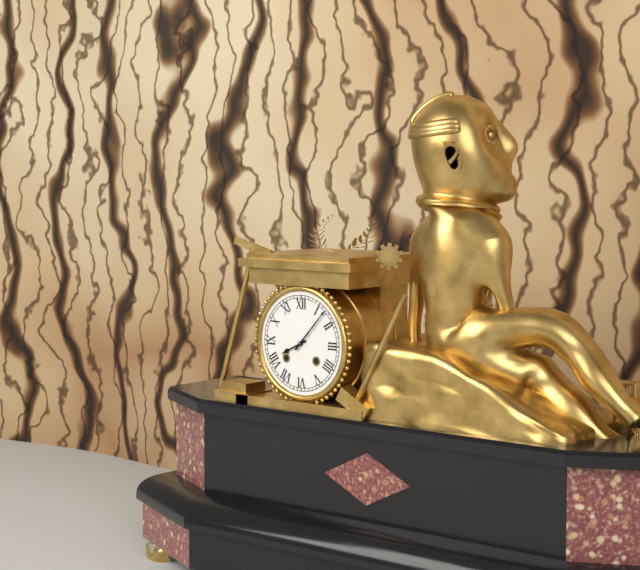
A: 8 h 07 min
